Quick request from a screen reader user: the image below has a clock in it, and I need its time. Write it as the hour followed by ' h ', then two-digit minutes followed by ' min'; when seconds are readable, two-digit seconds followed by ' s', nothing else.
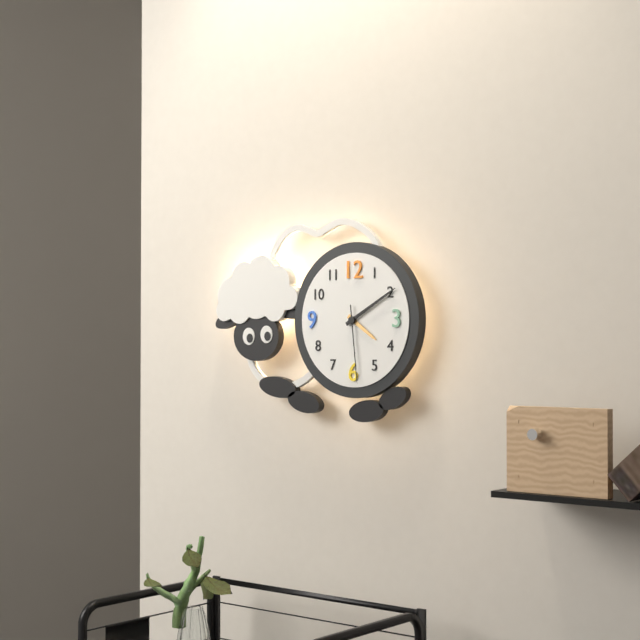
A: 4 h 10 min 29 s
